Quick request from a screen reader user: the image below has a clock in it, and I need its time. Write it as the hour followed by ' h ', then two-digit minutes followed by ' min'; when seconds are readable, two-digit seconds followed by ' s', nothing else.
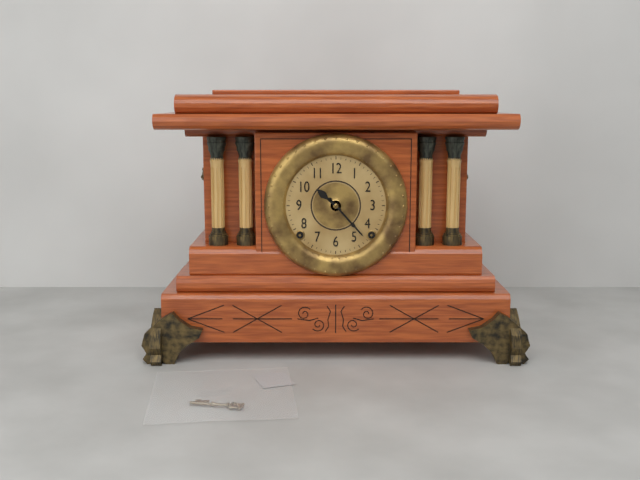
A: 10 h 23 min
